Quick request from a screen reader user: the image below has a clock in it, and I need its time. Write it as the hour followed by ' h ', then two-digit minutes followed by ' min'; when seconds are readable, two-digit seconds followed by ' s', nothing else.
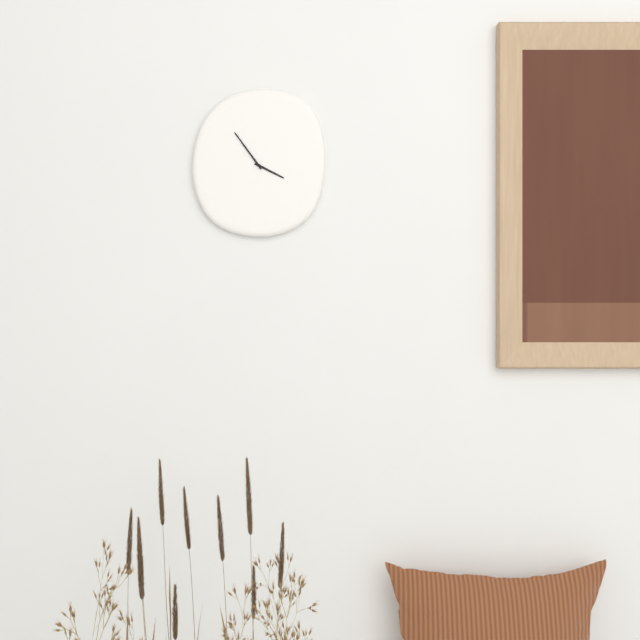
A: 3 h 54 min
